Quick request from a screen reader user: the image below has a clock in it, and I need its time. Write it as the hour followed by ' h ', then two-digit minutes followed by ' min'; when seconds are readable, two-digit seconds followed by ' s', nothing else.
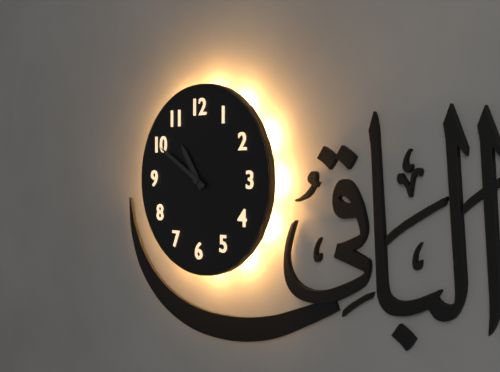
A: 10 h 50 min
